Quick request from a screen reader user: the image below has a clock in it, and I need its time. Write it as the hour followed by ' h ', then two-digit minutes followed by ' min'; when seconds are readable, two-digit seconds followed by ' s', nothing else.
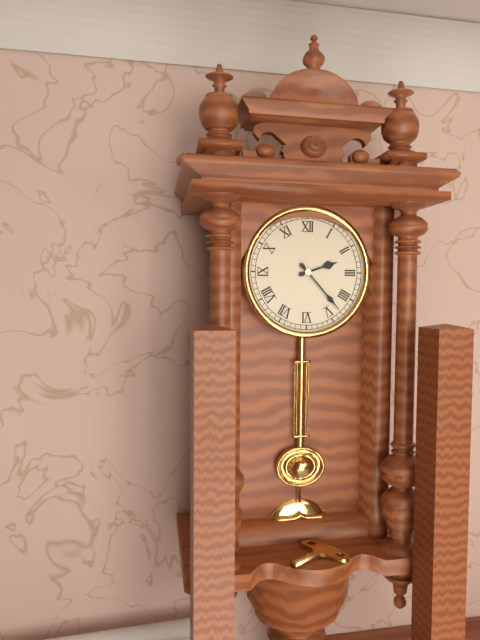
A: 2 h 23 min
